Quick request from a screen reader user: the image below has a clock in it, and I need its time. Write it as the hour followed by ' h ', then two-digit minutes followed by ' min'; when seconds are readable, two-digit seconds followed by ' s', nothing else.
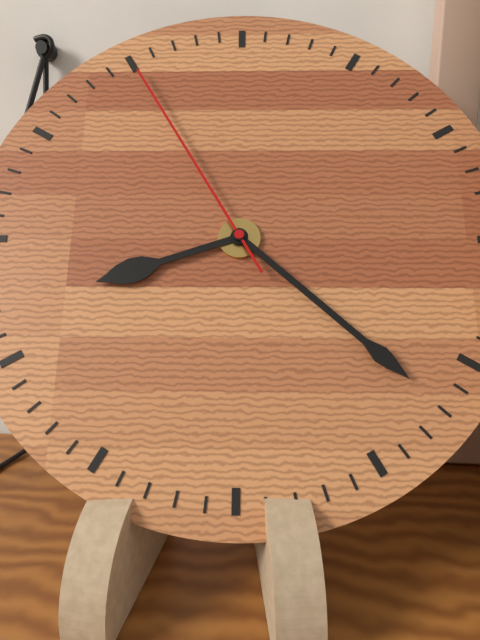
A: 8 h 22 min 55 s
